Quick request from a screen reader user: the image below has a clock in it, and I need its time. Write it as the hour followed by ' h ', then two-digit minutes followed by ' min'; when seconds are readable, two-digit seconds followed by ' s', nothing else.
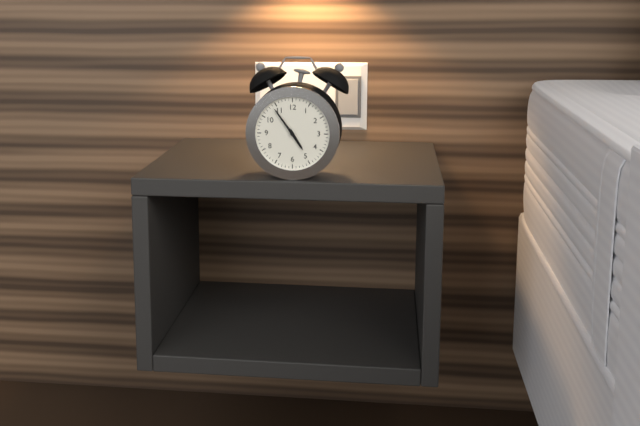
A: 4 h 54 min
